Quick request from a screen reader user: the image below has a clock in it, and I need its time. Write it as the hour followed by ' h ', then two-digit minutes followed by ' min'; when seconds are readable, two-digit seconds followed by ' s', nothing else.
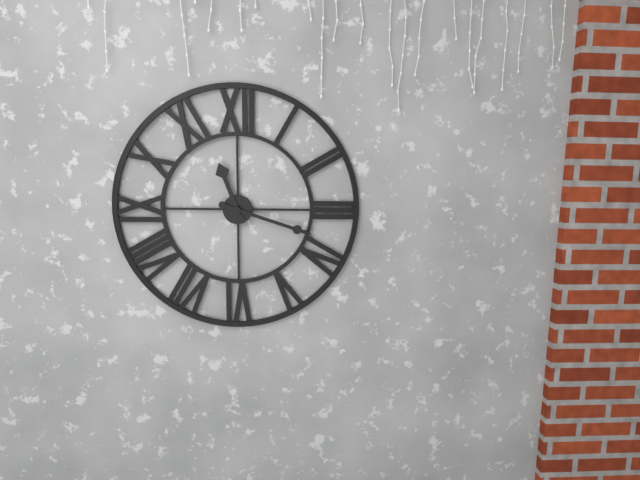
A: 11 h 18 min
